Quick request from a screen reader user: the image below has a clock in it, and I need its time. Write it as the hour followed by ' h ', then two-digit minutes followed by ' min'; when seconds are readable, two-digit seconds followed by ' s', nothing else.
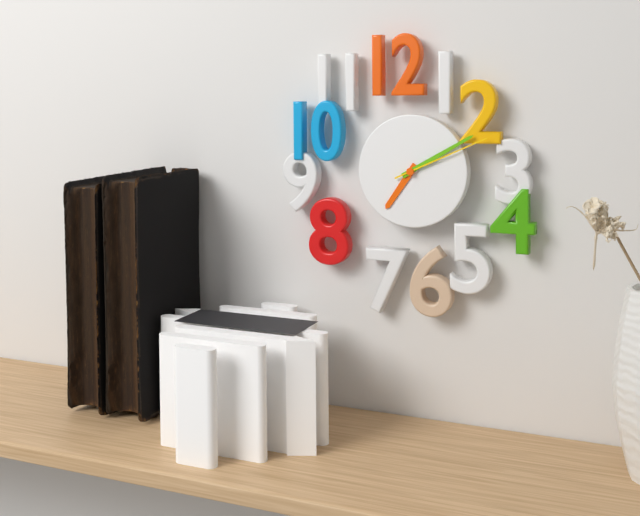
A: 7 h 10 min 11 s
